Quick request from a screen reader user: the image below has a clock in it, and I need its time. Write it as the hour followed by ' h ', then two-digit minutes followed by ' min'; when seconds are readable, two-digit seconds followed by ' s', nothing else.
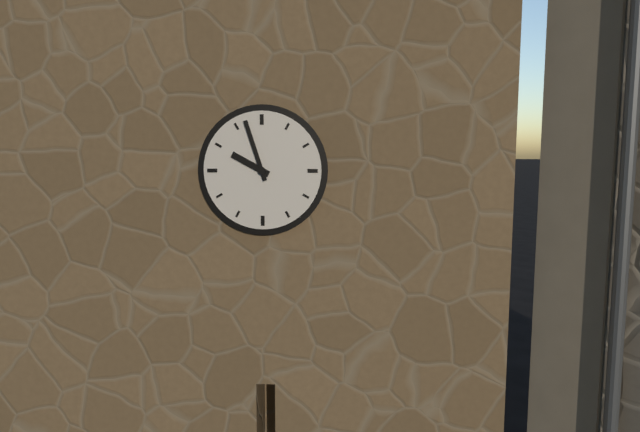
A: 9 h 57 min
